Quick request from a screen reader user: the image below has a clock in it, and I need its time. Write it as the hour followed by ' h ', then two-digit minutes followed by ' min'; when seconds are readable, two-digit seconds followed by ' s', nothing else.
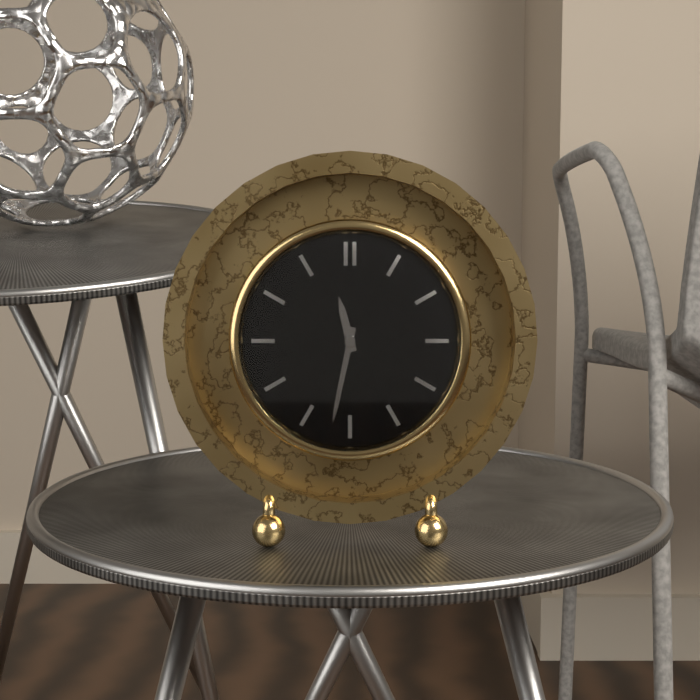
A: 11 h 32 min
